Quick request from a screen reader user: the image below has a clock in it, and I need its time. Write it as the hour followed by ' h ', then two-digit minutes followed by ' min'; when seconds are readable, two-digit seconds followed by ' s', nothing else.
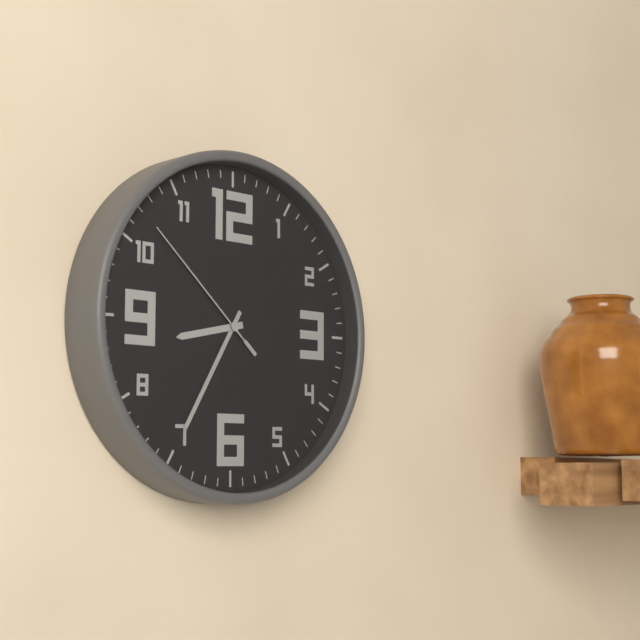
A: 8 h 35 min 52 s
